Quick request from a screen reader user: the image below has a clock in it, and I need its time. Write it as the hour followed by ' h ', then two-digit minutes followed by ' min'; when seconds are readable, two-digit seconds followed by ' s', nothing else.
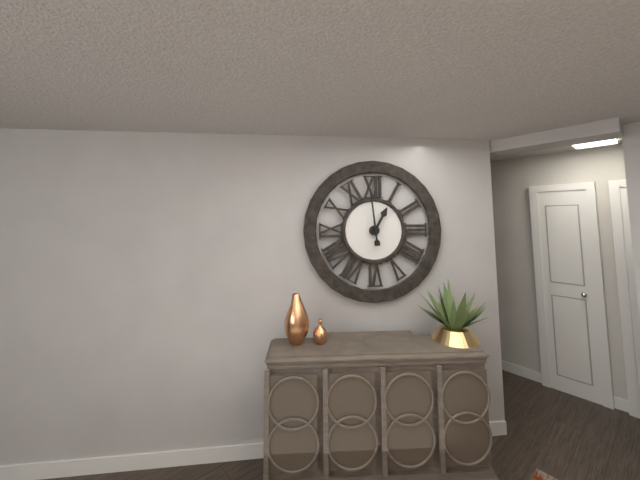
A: 12 h 59 min
